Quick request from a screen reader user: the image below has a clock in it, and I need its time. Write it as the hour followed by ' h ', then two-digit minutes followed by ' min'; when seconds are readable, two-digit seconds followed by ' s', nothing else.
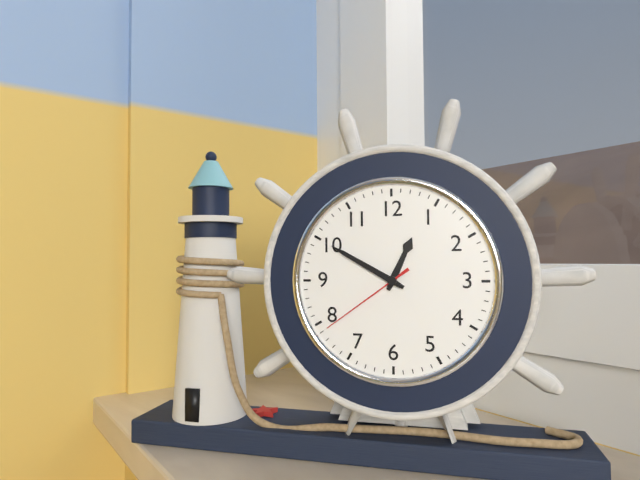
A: 12 h 50 min 39 s
